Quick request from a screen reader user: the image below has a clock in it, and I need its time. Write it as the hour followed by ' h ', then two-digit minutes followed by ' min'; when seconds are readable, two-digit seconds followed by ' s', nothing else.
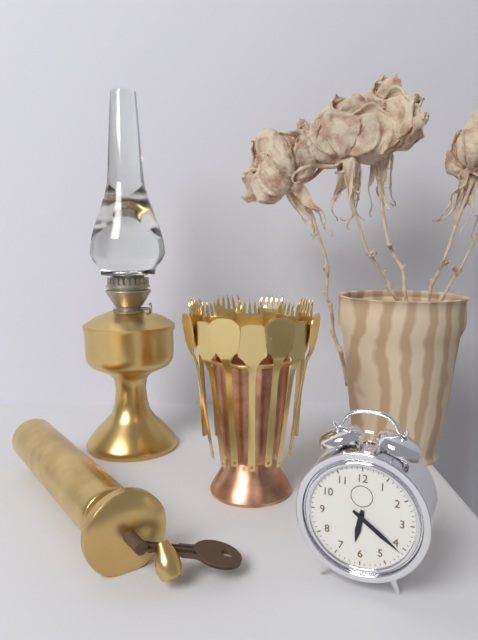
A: 6 h 21 min
